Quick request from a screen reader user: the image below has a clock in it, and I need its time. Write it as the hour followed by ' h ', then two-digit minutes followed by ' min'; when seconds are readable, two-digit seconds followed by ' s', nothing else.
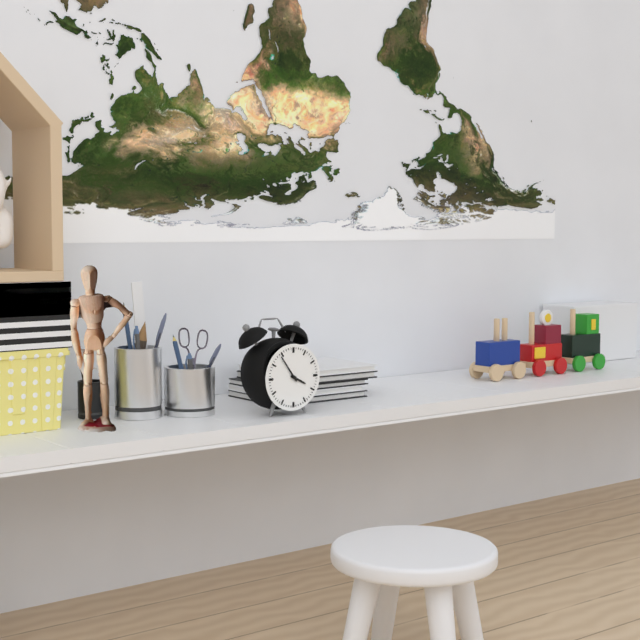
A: 3 h 54 min
